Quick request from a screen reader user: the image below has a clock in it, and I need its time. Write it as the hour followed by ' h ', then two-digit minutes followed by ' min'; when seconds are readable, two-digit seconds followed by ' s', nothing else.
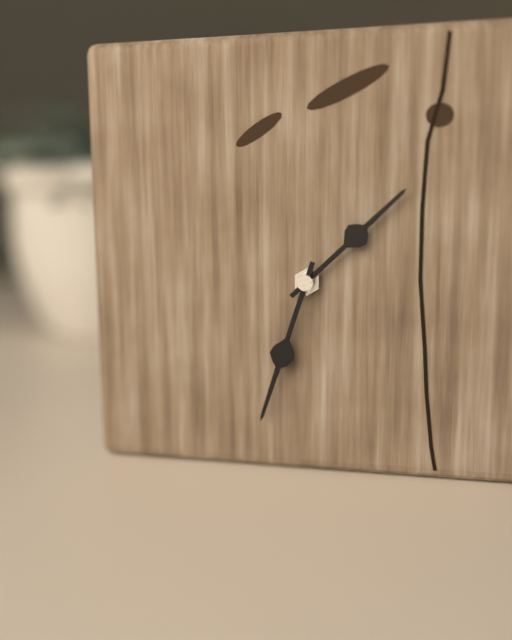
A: 1 h 33 min
